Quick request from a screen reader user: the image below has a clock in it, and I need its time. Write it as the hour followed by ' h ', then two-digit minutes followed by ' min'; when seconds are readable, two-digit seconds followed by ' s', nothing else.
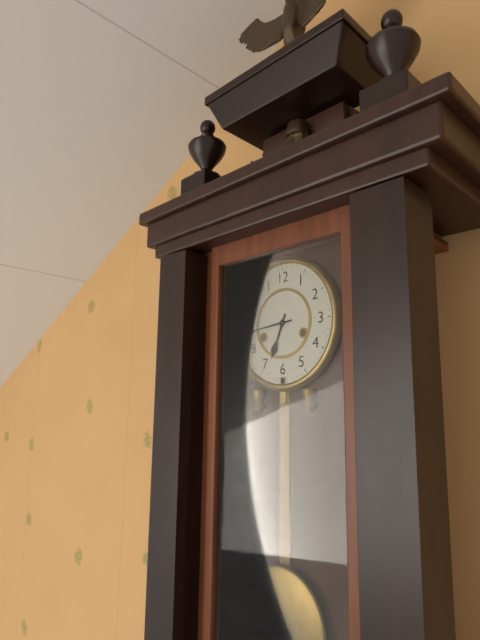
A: 6 h 44 min
